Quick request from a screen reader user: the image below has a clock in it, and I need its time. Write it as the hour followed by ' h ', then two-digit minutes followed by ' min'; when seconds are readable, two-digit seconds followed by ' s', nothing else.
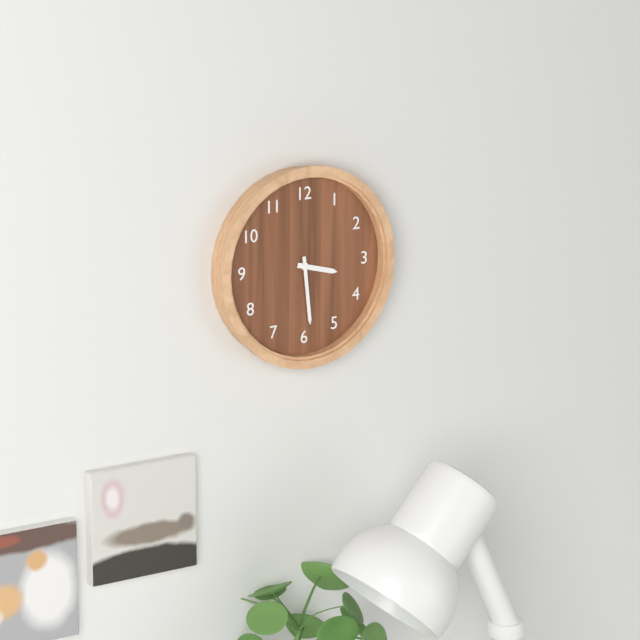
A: 3 h 29 min
